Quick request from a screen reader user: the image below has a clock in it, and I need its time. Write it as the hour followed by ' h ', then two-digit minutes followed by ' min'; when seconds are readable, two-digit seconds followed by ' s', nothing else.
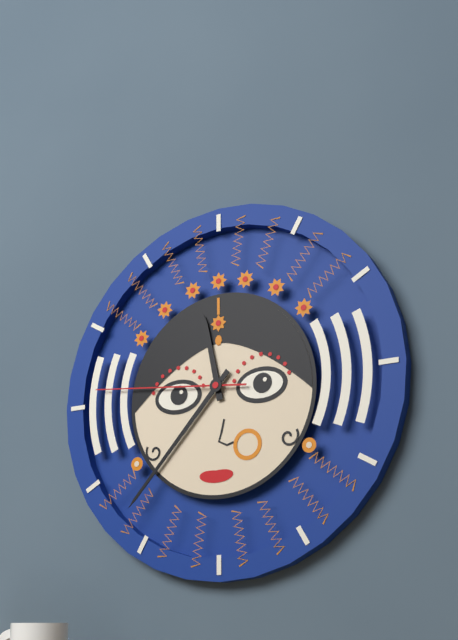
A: 11 h 37 min 46 s
